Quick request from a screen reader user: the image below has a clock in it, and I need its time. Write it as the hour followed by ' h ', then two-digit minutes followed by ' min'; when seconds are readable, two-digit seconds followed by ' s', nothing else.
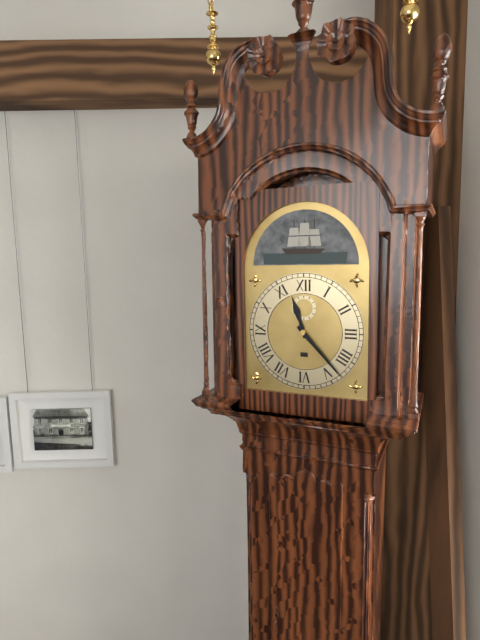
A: 11 h 23 min
